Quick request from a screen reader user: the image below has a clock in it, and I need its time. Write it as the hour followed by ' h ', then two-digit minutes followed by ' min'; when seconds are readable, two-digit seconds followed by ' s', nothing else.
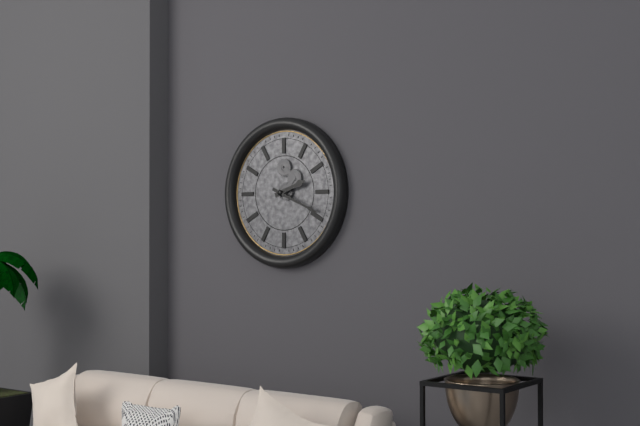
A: 2 h 19 min
